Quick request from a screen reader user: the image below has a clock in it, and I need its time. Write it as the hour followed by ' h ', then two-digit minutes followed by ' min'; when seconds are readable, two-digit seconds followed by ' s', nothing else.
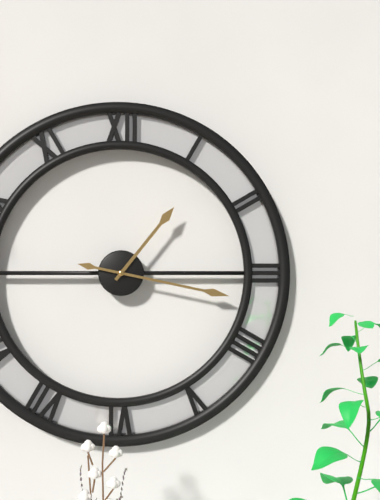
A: 1 h 17 min
